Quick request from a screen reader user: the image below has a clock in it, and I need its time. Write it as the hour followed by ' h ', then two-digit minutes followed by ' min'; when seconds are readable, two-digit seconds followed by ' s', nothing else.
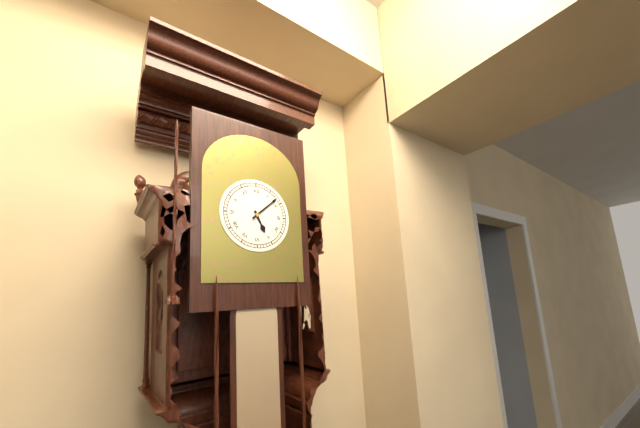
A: 5 h 08 min
